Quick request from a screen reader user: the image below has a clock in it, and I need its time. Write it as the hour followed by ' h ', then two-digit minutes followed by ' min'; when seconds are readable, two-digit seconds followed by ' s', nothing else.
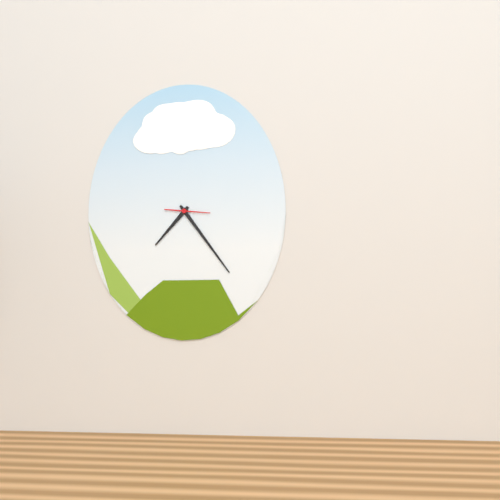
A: 7 h 24 min
